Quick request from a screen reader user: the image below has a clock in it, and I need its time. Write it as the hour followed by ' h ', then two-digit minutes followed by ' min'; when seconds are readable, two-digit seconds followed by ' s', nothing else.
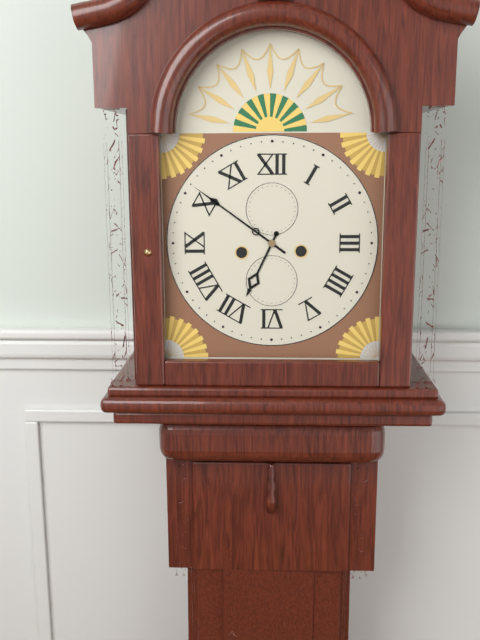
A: 6 h 51 min
